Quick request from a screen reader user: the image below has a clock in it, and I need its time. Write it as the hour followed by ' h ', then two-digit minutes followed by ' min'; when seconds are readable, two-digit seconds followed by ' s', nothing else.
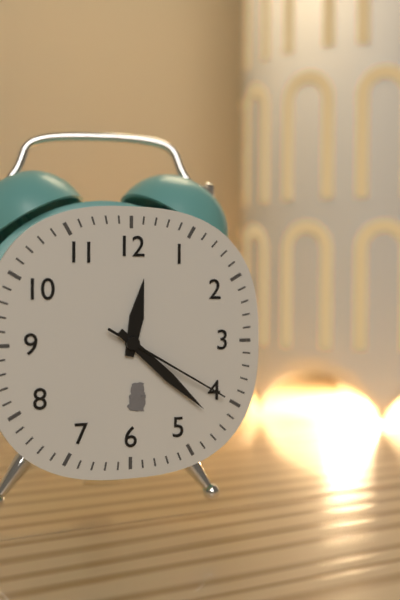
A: 12 h 22 min 20 s
